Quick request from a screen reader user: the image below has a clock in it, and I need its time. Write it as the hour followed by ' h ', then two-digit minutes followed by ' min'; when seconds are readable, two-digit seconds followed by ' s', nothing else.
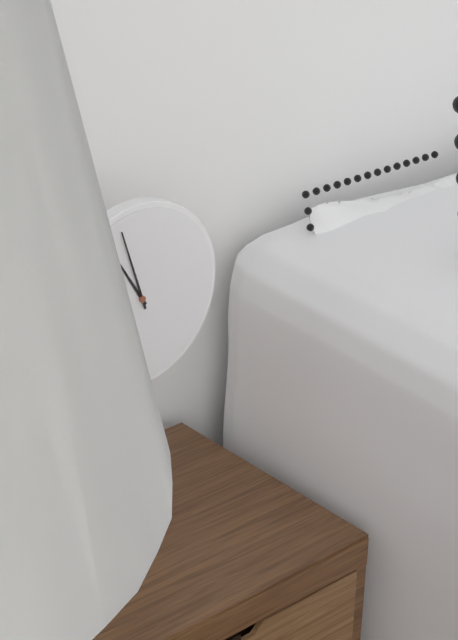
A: 10 h 57 min
